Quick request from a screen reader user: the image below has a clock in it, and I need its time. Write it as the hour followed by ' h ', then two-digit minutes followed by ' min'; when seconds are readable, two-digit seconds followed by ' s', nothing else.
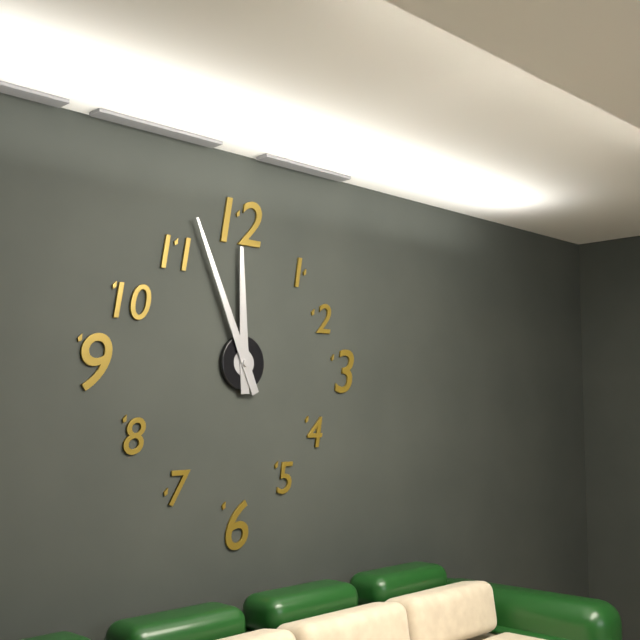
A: 11 h 56 min
